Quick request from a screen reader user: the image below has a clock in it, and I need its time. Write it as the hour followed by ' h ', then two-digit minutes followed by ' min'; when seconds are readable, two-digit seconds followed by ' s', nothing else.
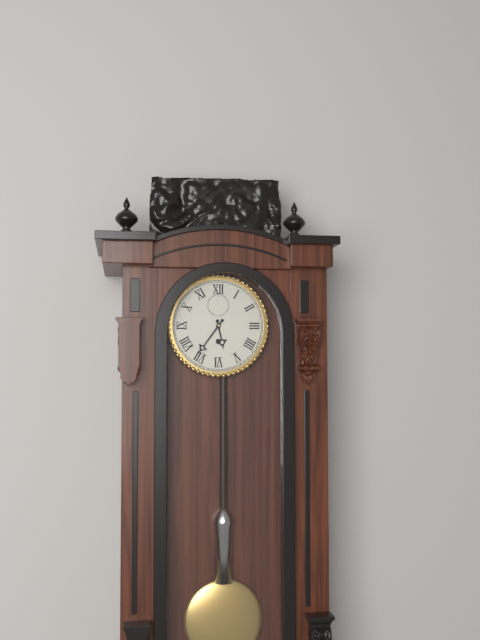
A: 5 h 36 min
